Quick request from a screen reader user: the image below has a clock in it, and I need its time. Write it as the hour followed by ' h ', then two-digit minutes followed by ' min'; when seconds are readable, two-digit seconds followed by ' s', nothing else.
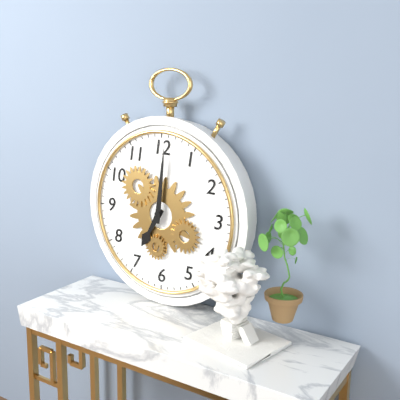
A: 7 h 01 min
